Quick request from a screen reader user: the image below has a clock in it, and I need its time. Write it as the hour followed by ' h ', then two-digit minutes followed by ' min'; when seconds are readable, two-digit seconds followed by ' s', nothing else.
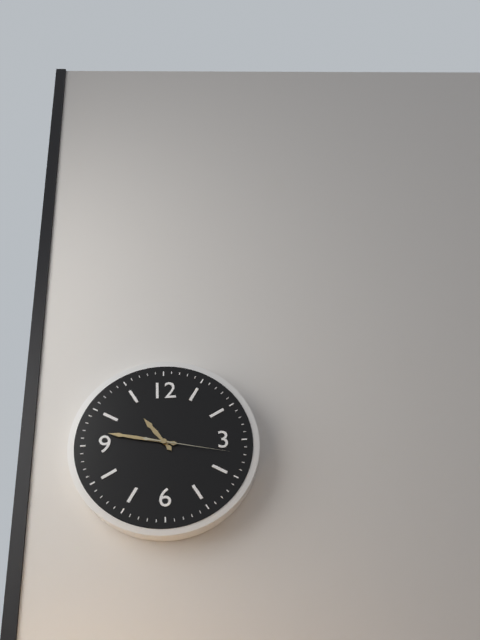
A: 10 h 47 min 17 s
